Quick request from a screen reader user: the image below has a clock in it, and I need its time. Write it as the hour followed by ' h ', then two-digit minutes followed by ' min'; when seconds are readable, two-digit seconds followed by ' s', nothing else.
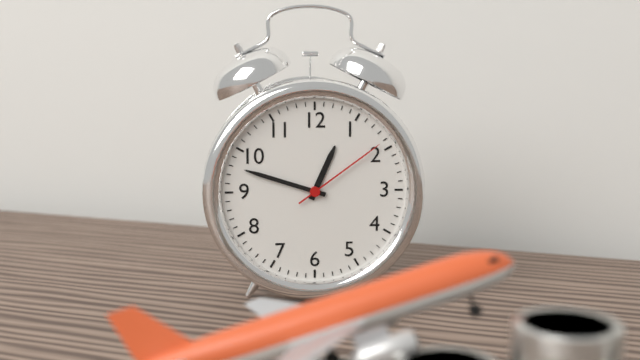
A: 12 h 48 min 09 s
